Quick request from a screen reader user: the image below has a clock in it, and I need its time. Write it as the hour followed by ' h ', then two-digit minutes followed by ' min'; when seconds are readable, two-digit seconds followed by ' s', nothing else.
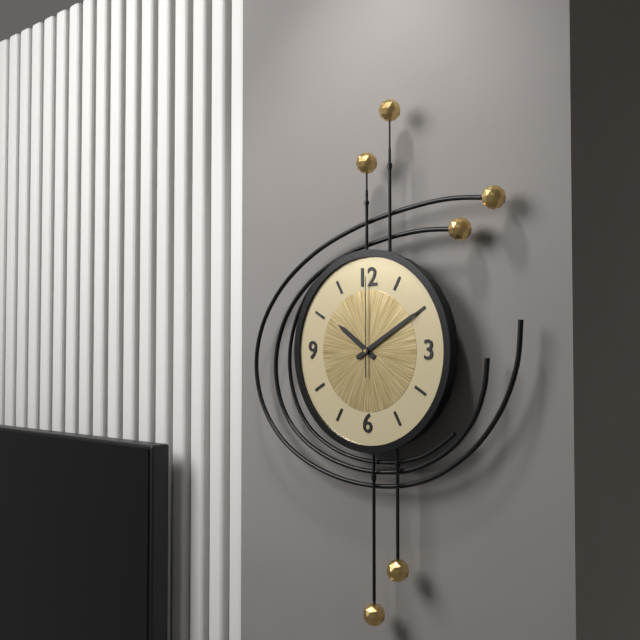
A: 10 h 10 min 00 s
